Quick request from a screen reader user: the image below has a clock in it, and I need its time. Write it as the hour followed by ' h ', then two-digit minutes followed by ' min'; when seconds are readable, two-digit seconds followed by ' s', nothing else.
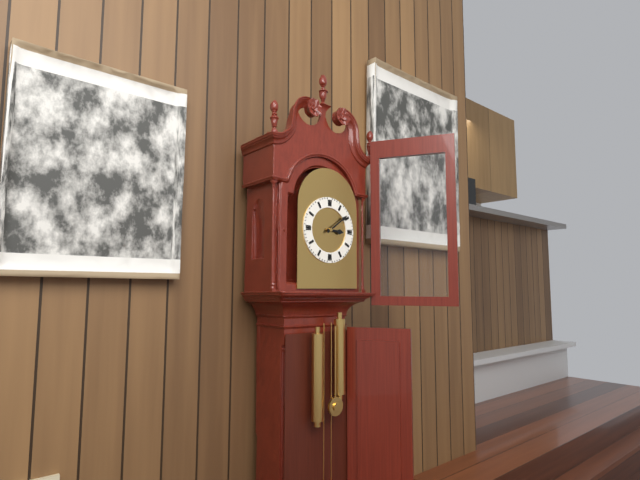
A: 3 h 09 min
